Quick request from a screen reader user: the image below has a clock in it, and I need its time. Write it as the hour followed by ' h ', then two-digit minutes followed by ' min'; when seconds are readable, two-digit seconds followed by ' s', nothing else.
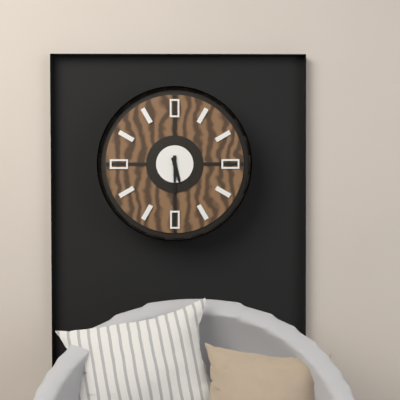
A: 5 h 30 min
